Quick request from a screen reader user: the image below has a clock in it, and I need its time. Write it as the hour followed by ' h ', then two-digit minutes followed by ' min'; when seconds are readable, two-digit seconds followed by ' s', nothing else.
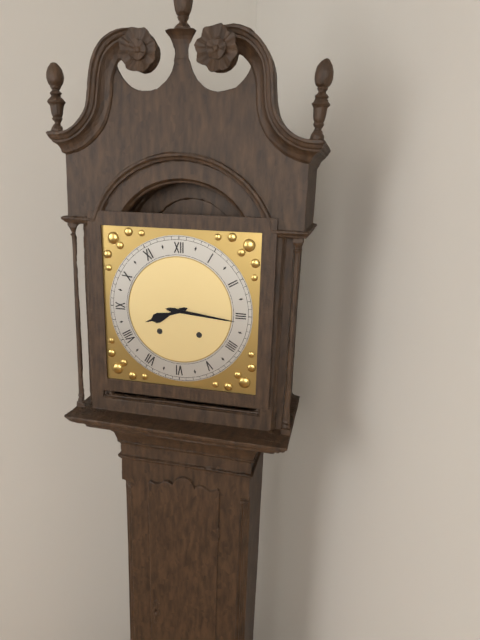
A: 8 h 16 min
